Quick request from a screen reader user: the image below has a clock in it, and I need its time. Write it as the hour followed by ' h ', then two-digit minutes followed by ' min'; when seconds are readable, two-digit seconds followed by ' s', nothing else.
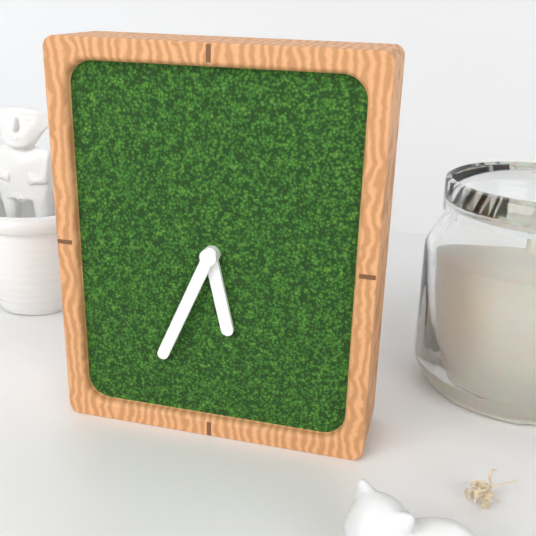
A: 5 h 34 min
